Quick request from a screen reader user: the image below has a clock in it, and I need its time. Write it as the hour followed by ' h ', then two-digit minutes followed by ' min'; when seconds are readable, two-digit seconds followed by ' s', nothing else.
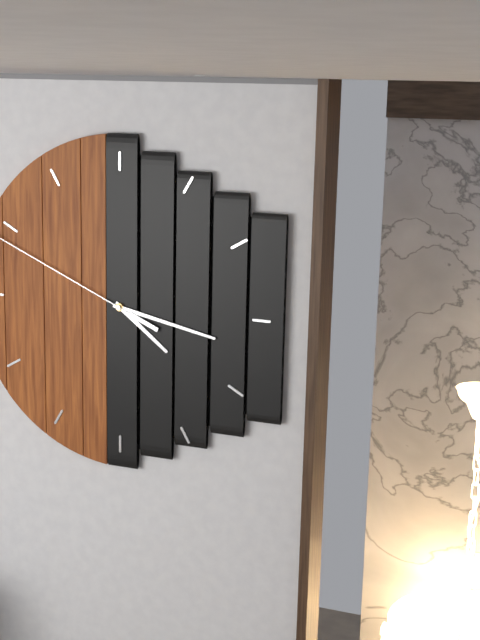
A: 4 h 17 min
